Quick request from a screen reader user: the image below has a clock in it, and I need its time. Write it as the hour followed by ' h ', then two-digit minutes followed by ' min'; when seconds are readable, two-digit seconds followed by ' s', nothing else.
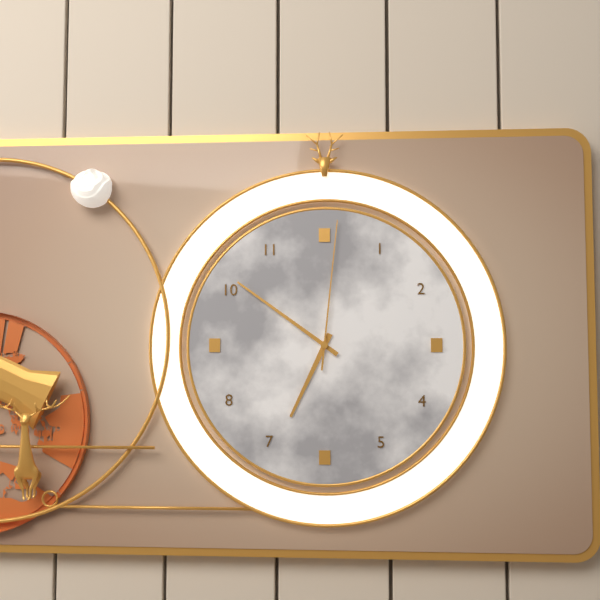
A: 6 h 51 min 01 s
